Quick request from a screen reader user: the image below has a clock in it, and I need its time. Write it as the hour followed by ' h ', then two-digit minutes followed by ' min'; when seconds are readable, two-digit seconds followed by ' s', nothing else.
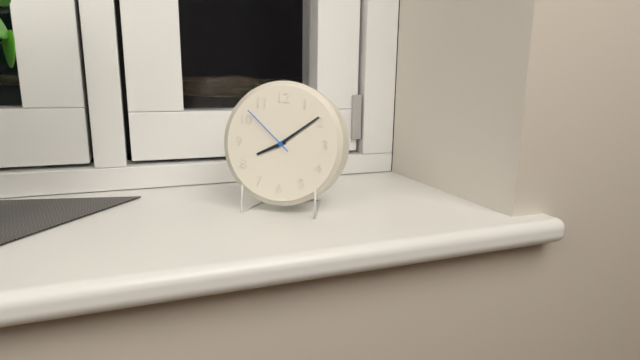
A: 8 h 09 min 52 s
